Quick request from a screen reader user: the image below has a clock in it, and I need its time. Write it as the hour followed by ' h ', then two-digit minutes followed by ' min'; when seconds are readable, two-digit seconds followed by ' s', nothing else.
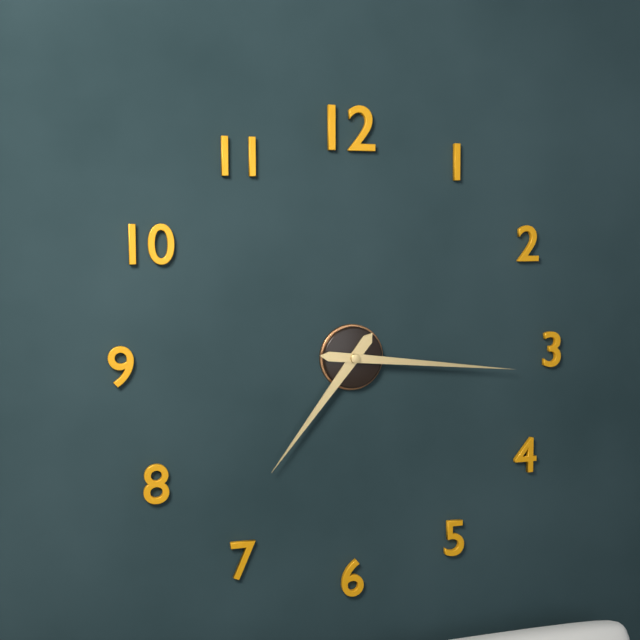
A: 7 h 16 min
